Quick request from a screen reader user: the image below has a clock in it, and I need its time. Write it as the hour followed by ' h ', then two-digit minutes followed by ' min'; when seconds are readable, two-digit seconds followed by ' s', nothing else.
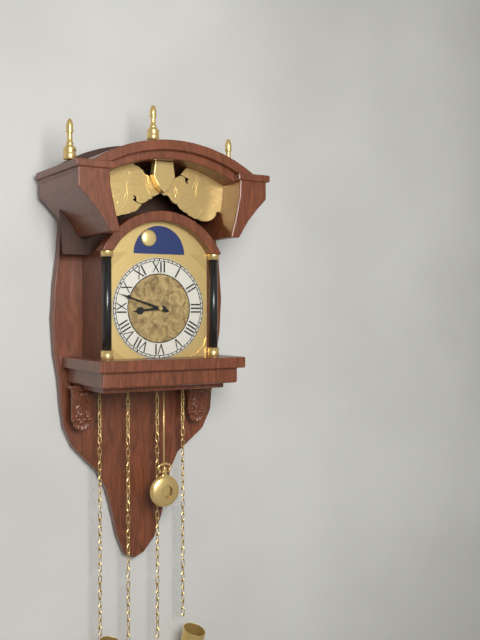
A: 8 h 48 min
